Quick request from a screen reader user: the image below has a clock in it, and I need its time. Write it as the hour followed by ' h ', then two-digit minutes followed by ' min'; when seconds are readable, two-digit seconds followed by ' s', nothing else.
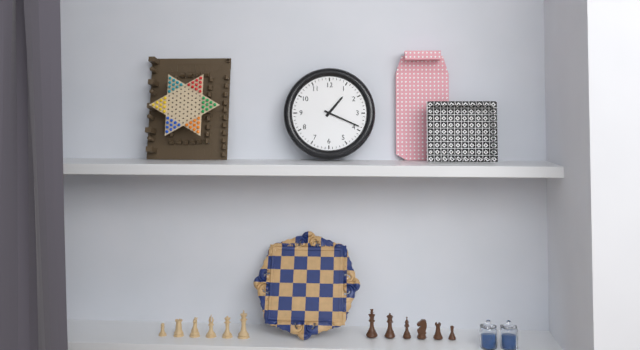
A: 1 h 19 min
